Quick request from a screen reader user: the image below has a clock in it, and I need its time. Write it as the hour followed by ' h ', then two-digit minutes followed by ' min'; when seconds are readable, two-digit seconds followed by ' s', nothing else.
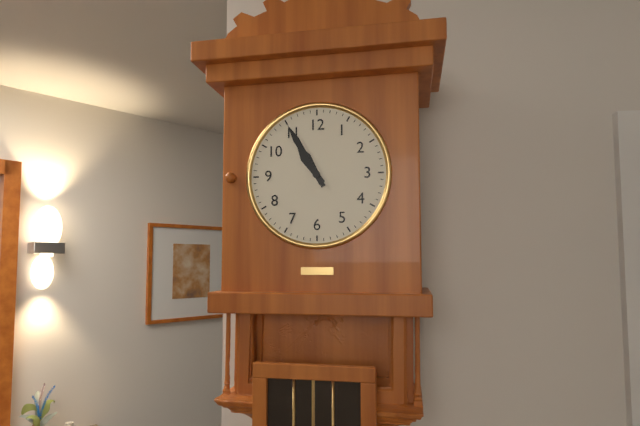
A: 10 h 55 min
